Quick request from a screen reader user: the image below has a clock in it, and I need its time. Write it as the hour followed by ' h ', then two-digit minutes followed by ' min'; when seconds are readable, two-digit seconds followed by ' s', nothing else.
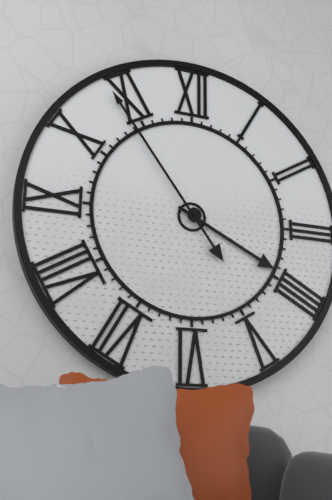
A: 3 h 54 min
